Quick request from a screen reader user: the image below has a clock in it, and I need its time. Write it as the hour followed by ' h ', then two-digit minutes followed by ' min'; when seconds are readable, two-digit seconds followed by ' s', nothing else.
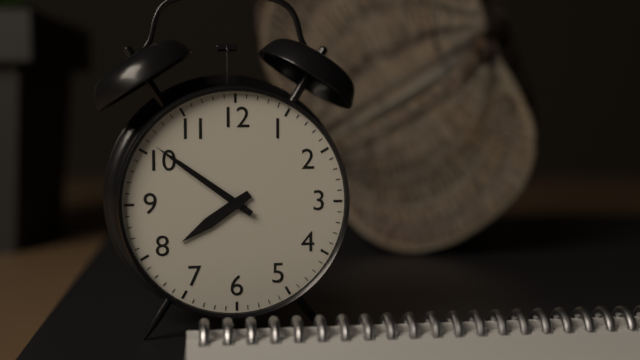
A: 7 h 51 min
